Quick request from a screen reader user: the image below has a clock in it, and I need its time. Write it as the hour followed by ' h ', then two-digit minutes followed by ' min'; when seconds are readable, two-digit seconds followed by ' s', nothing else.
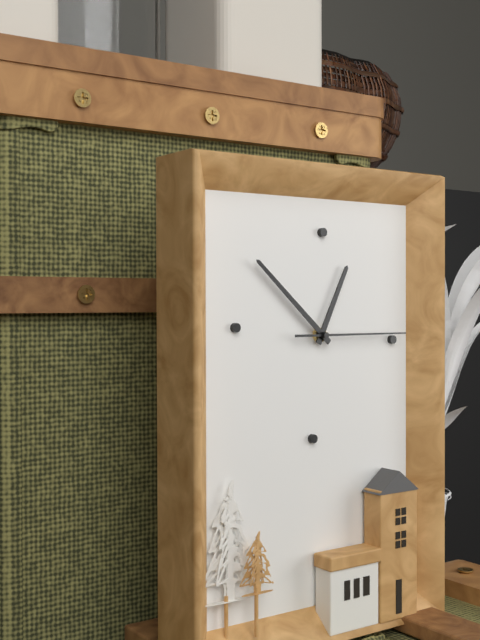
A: 12 h 52 min 15 s
